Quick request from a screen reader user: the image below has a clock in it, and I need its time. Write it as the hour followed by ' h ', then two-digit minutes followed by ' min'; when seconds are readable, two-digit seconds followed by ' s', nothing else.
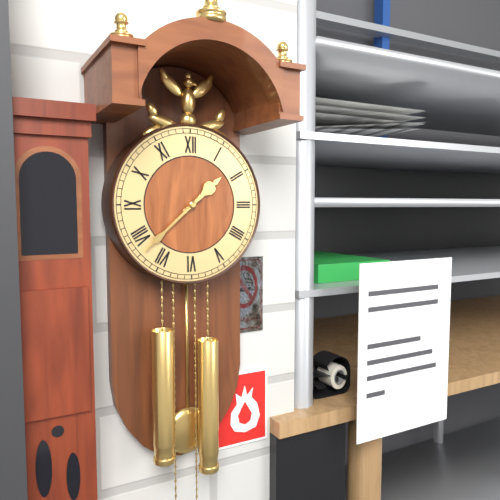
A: 1 h 38 min
